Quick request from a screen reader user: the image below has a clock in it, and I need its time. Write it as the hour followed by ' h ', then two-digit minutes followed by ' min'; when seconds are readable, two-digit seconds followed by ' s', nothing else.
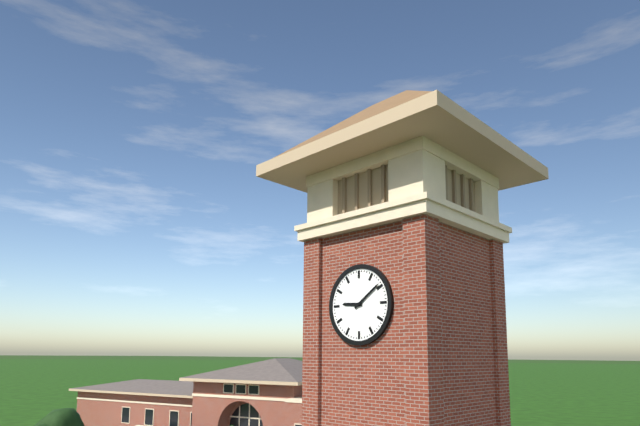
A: 9 h 09 min
